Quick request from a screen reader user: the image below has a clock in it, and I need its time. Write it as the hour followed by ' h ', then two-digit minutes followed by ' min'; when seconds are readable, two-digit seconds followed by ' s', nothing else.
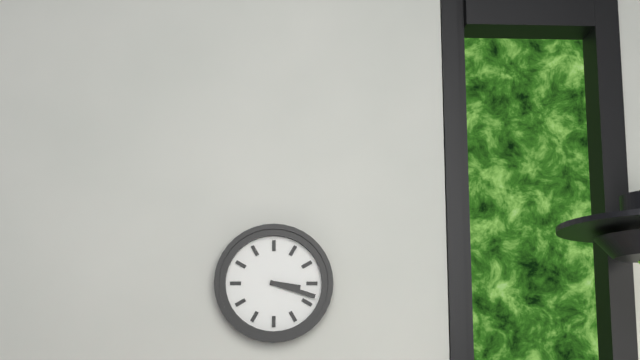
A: 3 h 18 min
